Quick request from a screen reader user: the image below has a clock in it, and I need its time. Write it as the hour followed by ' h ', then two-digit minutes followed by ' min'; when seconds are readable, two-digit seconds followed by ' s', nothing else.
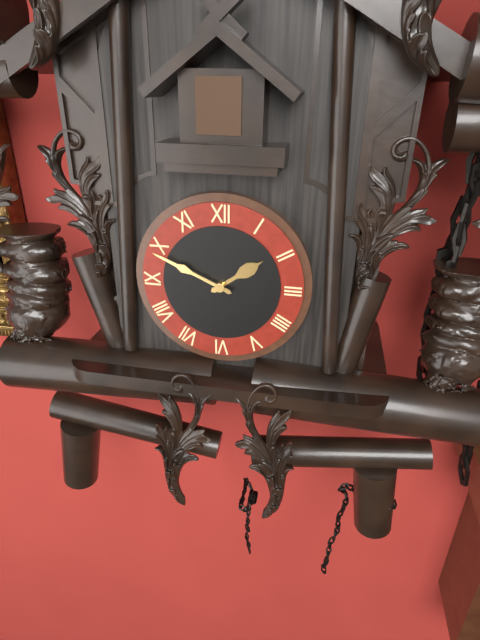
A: 1 h 49 min
